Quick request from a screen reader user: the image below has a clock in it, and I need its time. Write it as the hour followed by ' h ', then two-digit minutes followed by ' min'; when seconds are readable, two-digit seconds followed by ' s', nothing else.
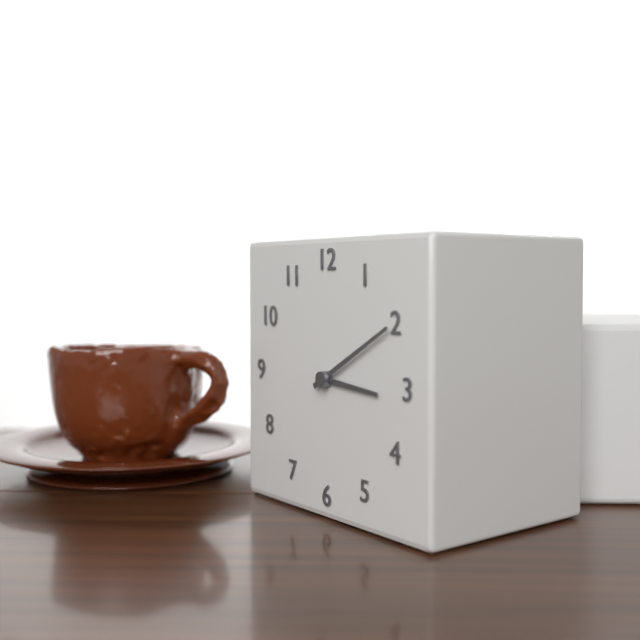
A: 3 h 10 min
